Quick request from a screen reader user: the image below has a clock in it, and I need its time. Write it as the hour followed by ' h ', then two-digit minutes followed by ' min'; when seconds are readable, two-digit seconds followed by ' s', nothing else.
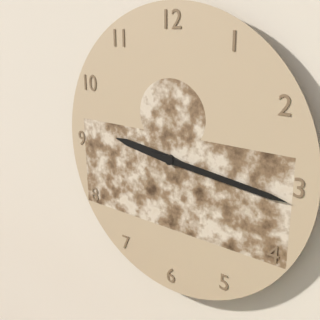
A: 9 h 16 min
